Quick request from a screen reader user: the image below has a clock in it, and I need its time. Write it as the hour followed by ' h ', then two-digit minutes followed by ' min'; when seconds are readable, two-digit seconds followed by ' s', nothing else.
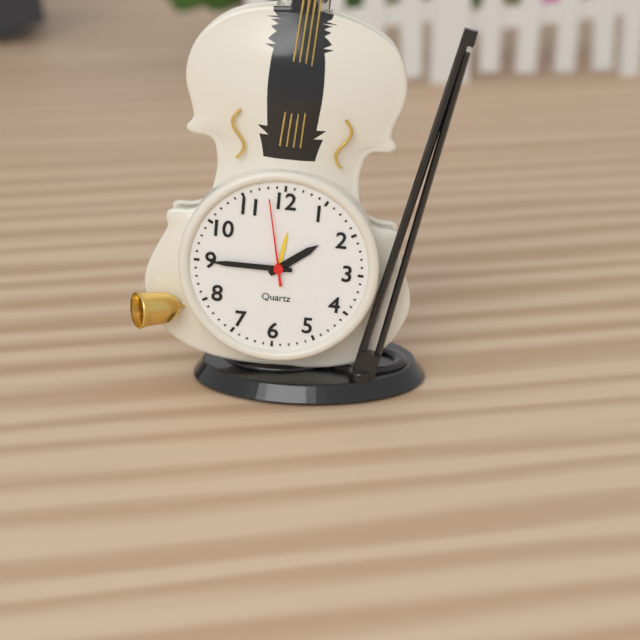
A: 1 h 45 min 58 s
